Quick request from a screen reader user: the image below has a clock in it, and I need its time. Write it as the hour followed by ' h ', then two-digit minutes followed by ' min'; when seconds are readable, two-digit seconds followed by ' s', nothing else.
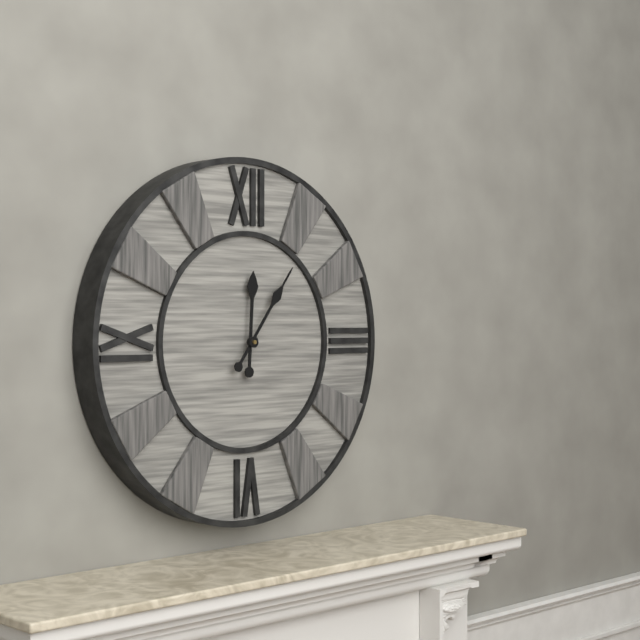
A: 12 h 06 min
